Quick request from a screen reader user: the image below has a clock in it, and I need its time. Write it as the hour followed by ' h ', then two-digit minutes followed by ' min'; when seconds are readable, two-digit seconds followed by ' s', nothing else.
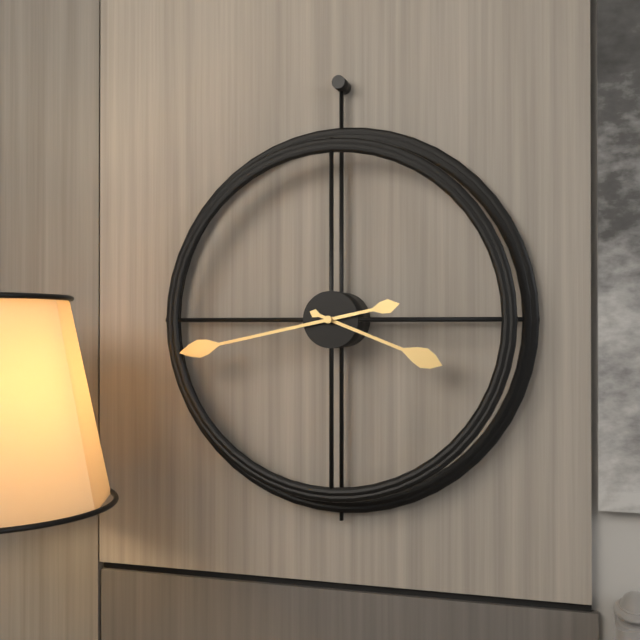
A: 3 h 43 min
